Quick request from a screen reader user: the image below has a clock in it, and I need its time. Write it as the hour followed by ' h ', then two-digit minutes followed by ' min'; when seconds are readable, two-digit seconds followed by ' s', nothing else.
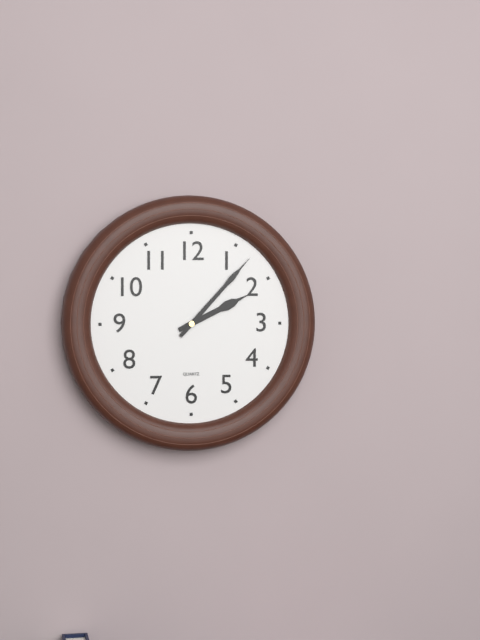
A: 2 h 07 min
